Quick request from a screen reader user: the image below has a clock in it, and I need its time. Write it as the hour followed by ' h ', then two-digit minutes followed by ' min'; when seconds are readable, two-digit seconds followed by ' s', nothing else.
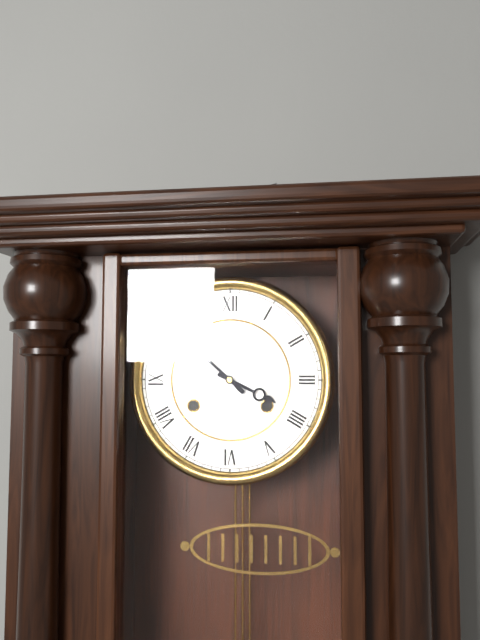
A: 3 h 52 min
